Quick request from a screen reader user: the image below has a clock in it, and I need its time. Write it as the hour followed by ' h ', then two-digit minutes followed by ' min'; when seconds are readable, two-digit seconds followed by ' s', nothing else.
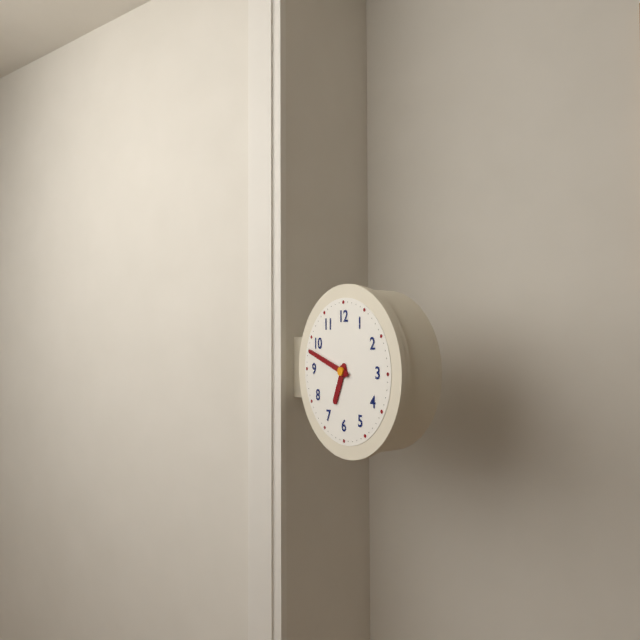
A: 6 h 48 min
